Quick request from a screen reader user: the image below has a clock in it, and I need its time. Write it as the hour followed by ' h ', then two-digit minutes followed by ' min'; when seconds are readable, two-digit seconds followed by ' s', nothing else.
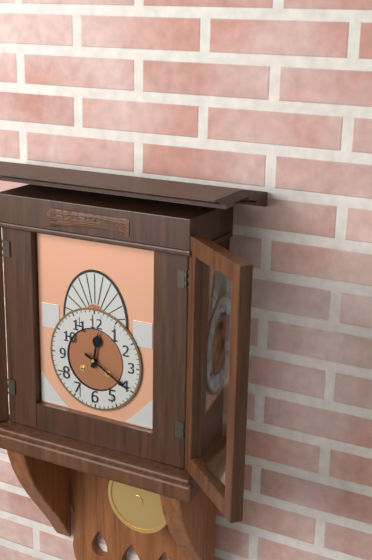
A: 12 h 20 min
